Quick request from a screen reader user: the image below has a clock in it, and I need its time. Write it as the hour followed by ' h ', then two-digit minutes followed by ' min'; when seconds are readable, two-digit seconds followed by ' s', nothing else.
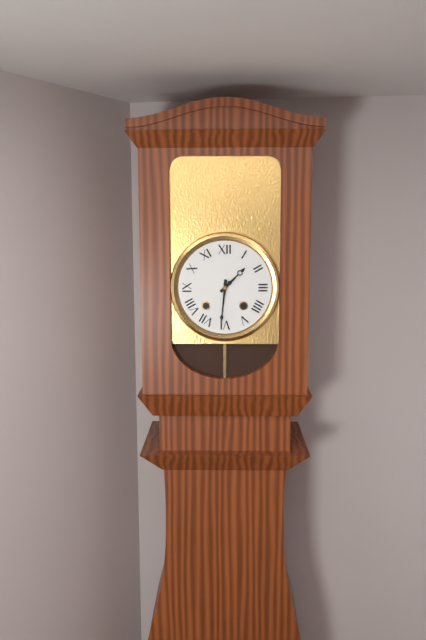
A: 1 h 31 min
